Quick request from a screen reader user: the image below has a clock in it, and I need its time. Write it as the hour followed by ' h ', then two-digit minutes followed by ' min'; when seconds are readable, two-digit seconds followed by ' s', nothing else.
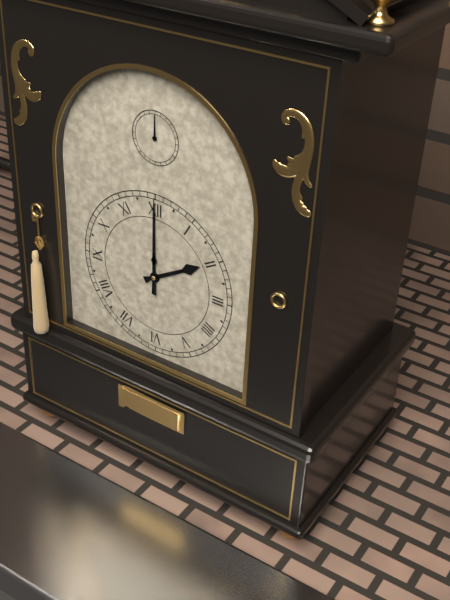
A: 2 h 00 min
